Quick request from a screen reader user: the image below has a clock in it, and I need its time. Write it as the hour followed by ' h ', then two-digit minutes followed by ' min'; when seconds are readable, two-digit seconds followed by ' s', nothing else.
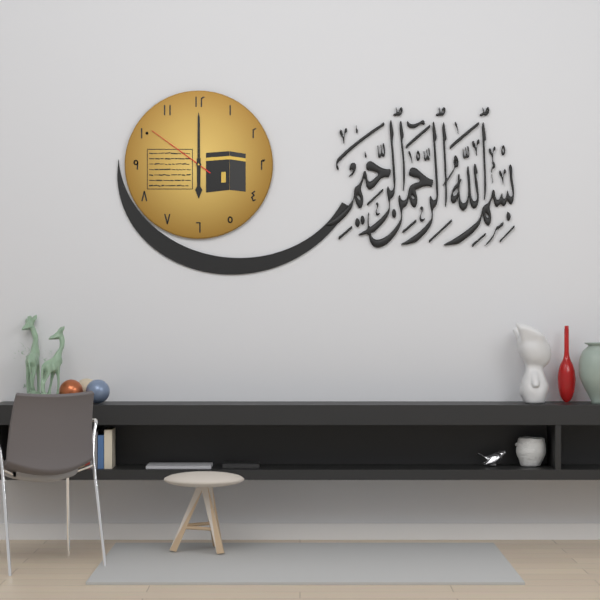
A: 6 h 00 min 51 s
